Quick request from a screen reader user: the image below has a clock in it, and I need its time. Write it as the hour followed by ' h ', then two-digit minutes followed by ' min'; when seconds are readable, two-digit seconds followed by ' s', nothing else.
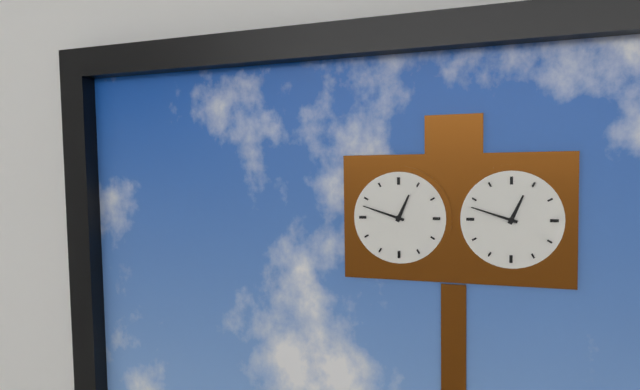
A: 12 h 48 min
